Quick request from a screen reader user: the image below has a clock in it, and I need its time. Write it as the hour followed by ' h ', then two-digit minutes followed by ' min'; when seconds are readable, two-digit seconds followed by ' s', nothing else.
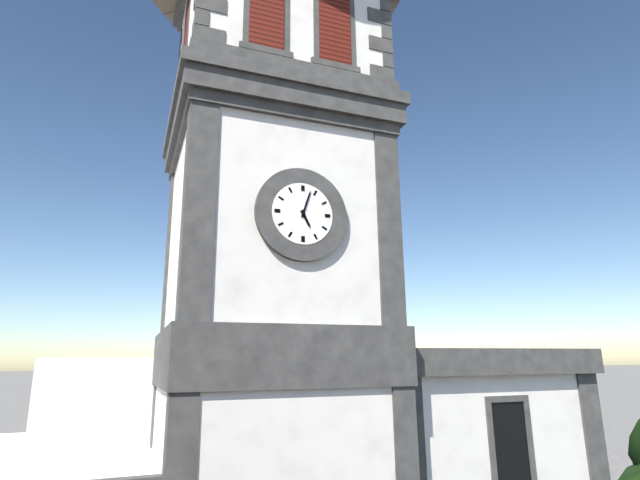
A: 5 h 03 min
